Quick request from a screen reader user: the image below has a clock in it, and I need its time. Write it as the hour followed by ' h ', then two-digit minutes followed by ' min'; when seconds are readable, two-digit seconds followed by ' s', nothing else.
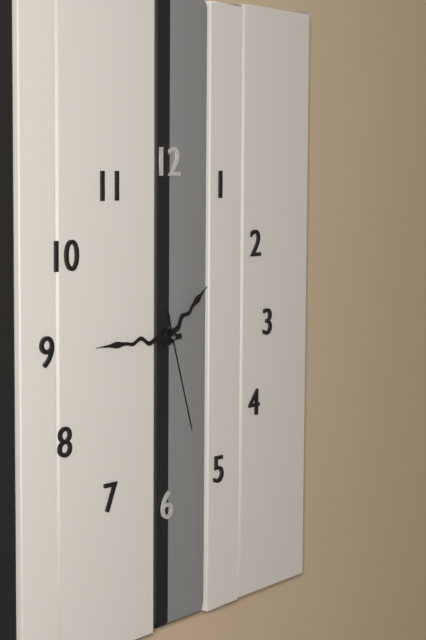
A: 1 h 45 min 27 s
